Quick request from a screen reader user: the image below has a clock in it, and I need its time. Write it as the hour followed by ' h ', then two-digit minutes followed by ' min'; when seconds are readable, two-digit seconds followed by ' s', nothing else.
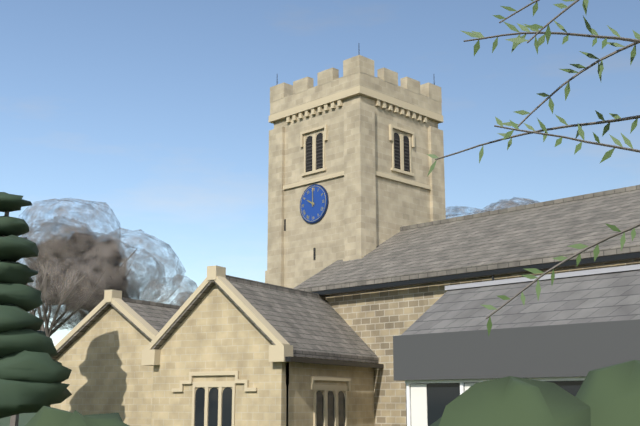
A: 10 h 00 min
